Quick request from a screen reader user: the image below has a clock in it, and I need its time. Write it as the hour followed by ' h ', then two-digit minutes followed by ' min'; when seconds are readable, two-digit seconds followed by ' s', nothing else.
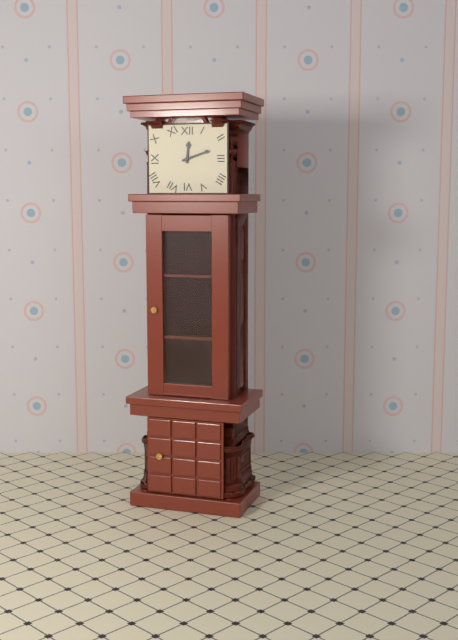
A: 12 h 12 min
